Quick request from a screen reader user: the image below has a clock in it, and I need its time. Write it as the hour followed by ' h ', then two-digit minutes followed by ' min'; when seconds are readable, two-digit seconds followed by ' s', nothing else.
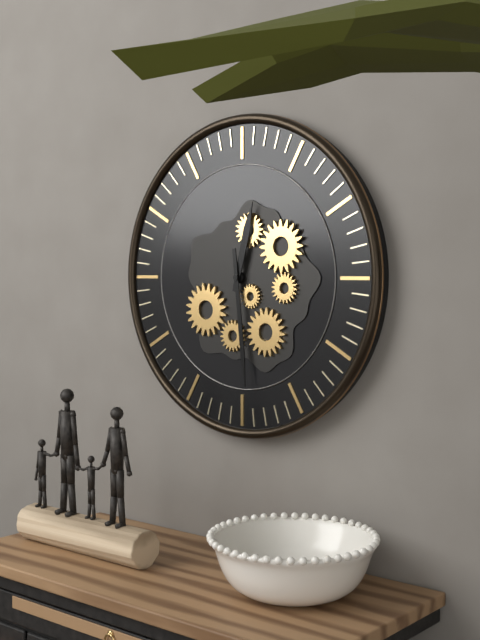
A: 12 h 29 min
